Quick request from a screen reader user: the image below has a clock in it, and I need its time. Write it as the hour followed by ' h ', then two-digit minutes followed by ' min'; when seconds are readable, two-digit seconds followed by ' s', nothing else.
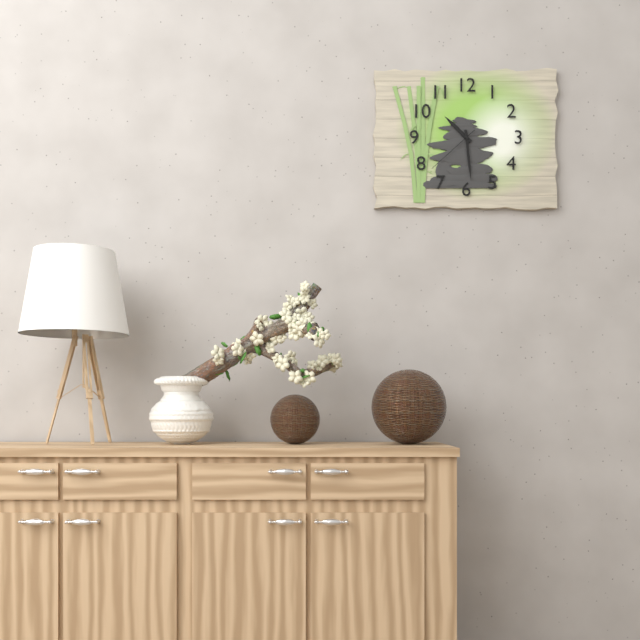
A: 10 h 29 min 38 s
